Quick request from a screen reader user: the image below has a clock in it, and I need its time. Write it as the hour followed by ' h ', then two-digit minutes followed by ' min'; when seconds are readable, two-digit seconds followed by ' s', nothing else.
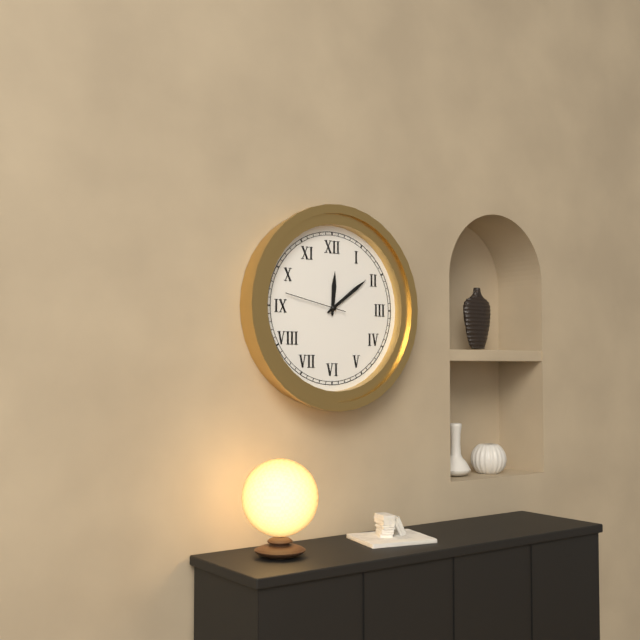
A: 12 h 09 min 47 s
